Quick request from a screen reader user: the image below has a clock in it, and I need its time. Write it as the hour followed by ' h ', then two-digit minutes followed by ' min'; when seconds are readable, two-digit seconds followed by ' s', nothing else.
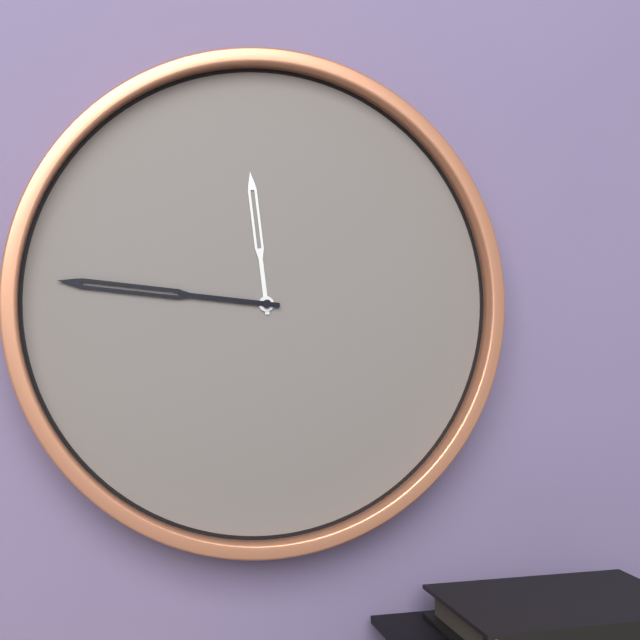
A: 11 h 46 min
